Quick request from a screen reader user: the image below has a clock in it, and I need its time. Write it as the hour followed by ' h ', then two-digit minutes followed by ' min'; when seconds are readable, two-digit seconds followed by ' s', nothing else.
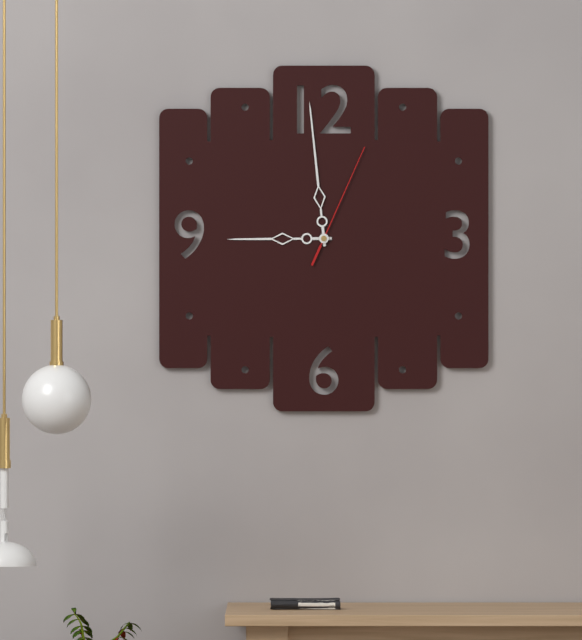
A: 8 h 59 min 04 s
